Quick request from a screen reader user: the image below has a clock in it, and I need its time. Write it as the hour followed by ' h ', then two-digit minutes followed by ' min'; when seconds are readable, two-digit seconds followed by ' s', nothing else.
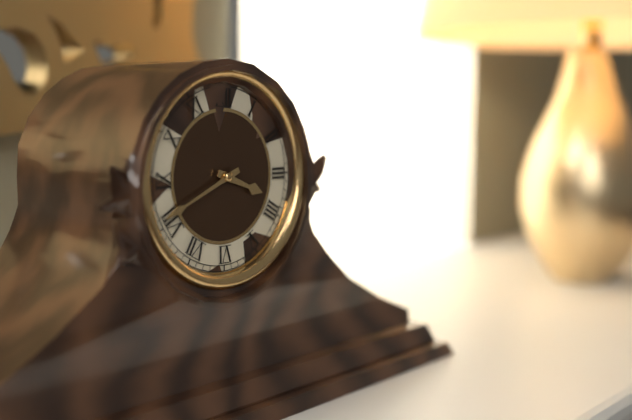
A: 3 h 41 min
